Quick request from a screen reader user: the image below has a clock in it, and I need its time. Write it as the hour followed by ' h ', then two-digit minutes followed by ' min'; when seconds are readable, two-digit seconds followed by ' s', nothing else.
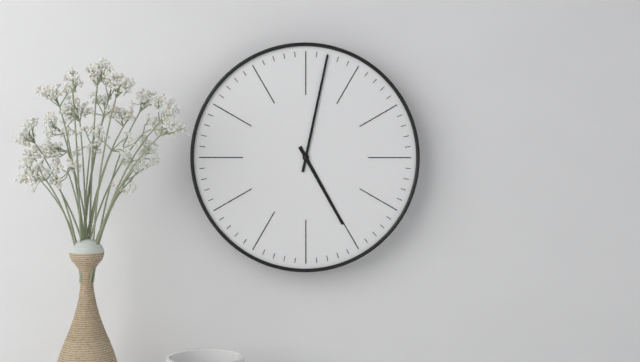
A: 5 h 02 min
